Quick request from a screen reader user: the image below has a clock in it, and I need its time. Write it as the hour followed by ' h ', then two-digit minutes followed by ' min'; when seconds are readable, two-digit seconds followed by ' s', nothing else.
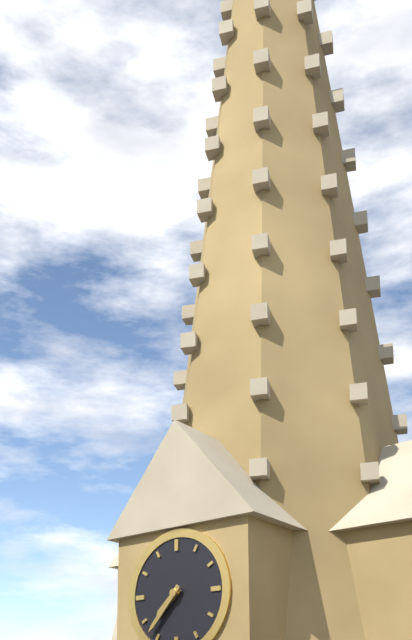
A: 7 h 37 min
